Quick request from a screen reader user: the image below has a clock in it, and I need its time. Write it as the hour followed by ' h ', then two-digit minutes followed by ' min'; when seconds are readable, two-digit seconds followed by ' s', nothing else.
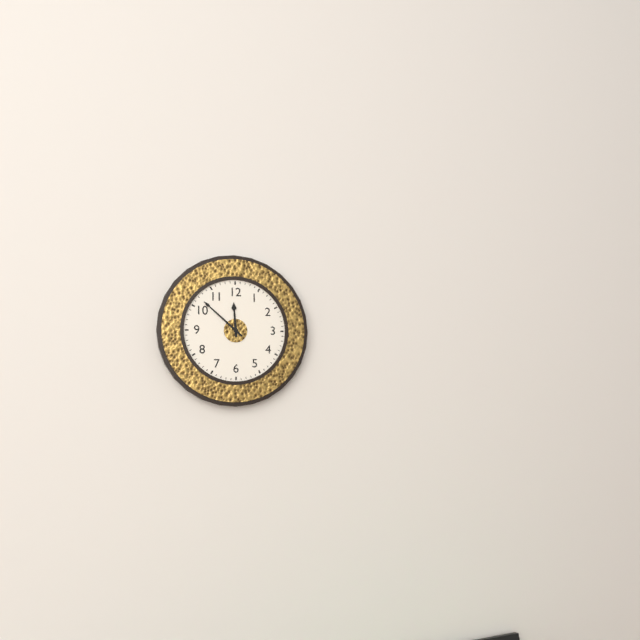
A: 11 h 52 min
